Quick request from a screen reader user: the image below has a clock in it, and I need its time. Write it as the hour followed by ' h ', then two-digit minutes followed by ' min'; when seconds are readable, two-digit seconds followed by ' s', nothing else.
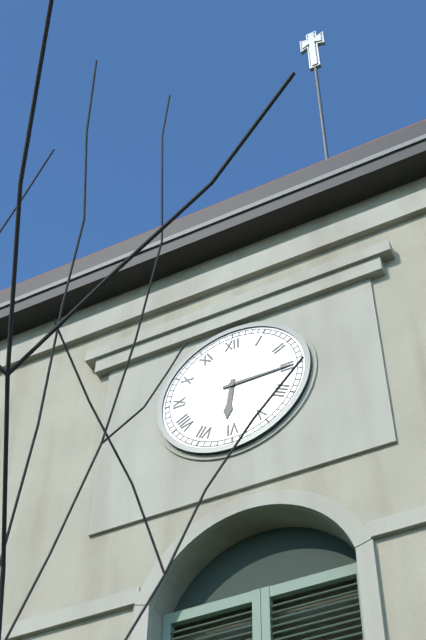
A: 6 h 15 min
